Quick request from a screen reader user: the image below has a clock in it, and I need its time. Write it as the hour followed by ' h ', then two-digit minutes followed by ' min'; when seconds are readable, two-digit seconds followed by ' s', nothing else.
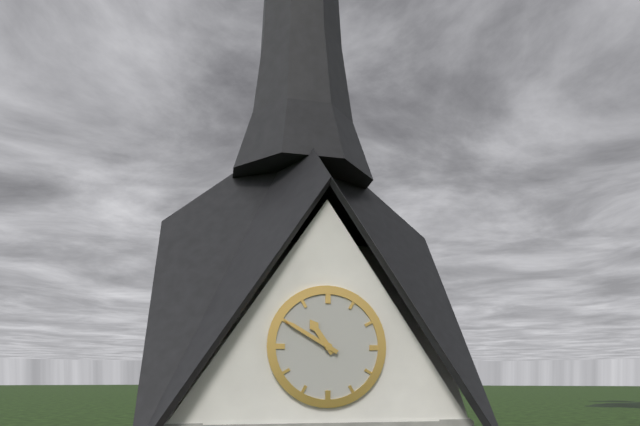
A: 10 h 50 min
